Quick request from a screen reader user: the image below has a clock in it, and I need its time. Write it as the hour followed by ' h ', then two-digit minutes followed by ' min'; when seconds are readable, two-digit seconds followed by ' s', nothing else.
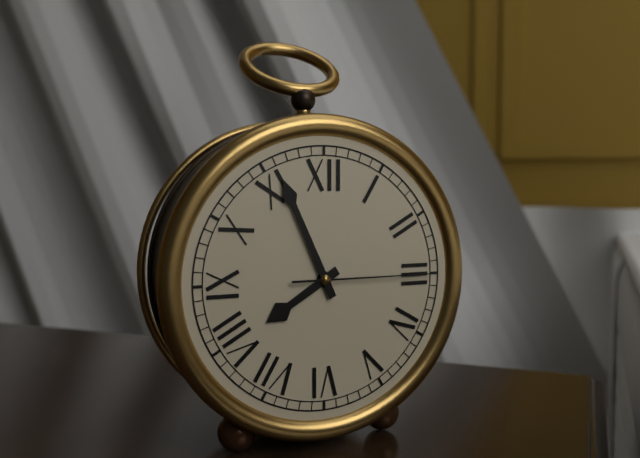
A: 7 h 56 min 15 s
